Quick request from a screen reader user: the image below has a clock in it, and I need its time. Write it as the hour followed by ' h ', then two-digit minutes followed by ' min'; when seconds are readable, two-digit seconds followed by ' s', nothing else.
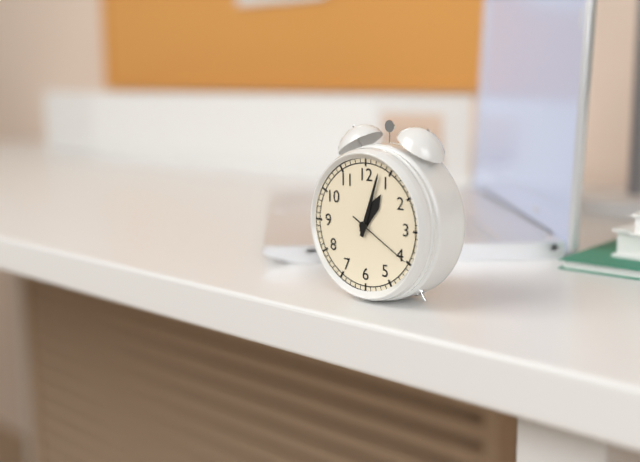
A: 1 h 03 min 20 s
